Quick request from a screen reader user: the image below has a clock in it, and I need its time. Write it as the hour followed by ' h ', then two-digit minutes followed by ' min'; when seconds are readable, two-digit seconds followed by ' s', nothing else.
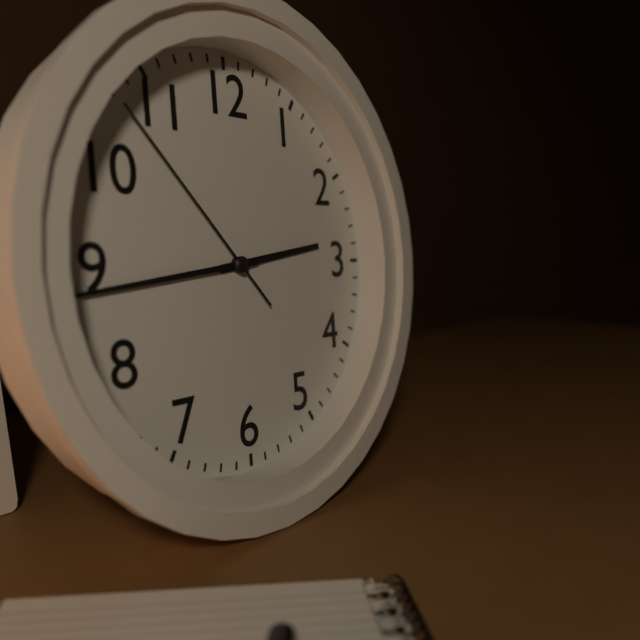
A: 2 h 44 min 53 s
